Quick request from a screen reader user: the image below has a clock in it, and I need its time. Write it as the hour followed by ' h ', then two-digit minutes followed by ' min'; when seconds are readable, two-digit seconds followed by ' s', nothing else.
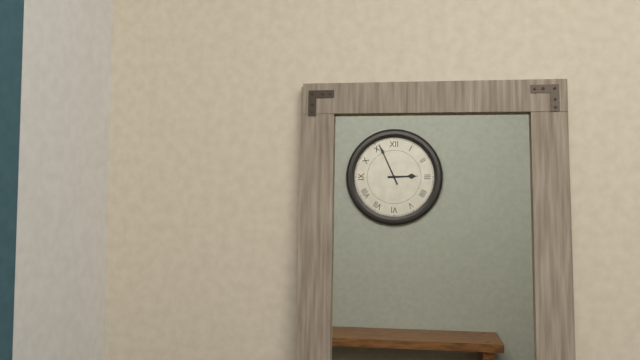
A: 2 h 56 min
